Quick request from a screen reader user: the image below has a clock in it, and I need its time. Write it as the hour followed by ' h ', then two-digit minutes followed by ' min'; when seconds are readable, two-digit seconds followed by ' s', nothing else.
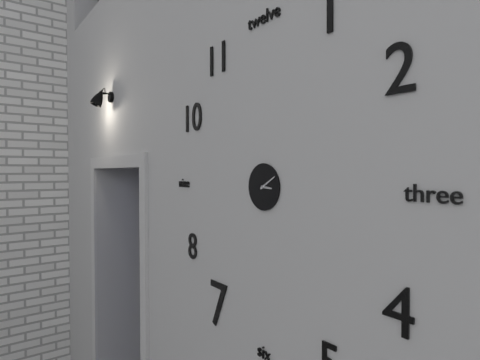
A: 3 h 10 min
